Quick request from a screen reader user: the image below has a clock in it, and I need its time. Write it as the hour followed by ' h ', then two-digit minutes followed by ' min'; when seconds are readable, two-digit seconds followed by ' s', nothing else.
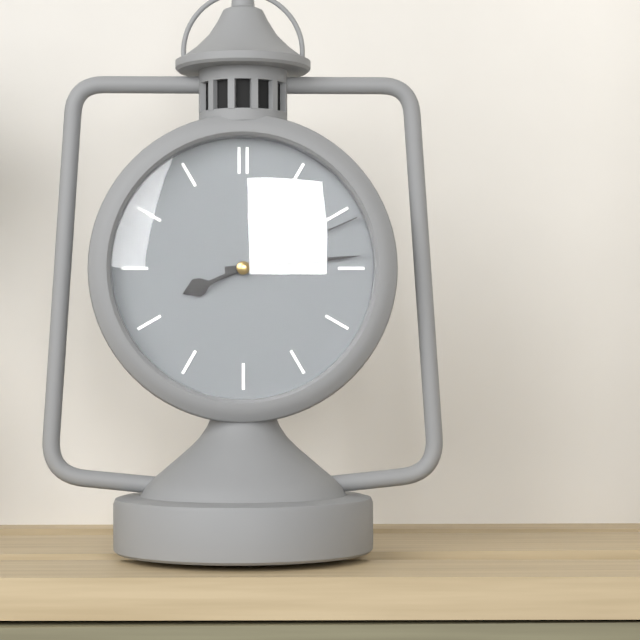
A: 8 h 14 min 11 s
